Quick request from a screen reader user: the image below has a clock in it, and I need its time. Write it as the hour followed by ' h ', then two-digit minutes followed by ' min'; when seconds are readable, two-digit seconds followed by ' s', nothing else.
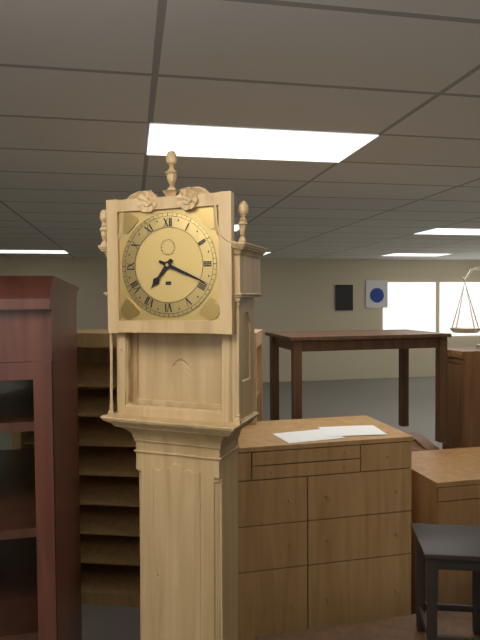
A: 7 h 19 min
